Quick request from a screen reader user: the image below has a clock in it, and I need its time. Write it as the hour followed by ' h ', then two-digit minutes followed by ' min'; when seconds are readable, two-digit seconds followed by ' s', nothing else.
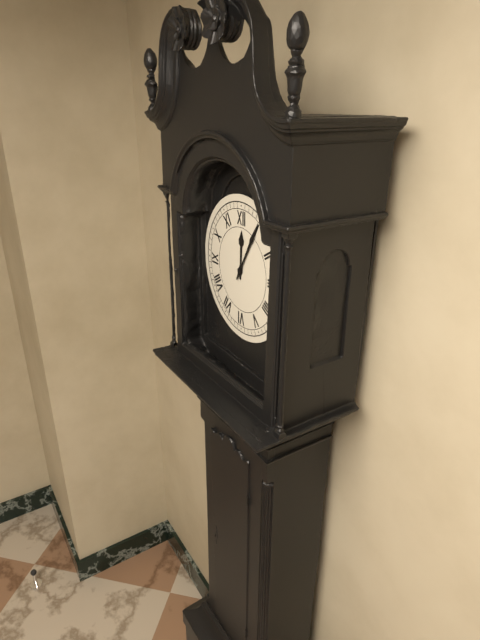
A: 12 h 05 min
